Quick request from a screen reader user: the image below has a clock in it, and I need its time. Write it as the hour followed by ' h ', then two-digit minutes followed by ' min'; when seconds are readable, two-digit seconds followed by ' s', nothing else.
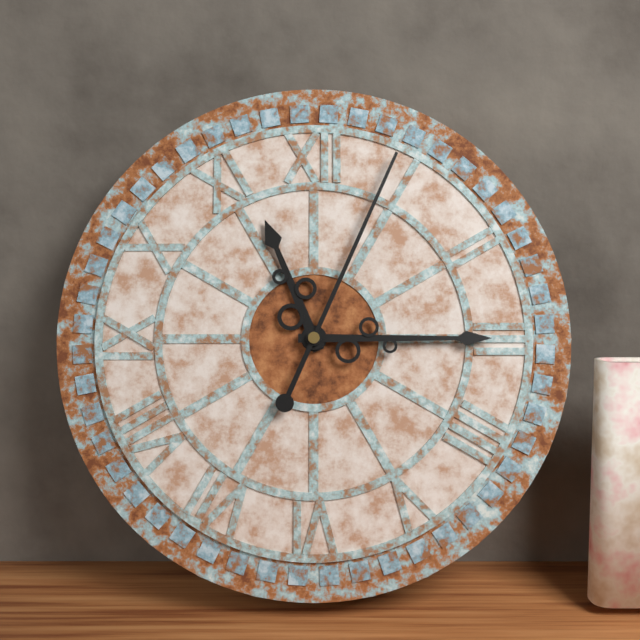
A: 11 h 15 min 04 s
